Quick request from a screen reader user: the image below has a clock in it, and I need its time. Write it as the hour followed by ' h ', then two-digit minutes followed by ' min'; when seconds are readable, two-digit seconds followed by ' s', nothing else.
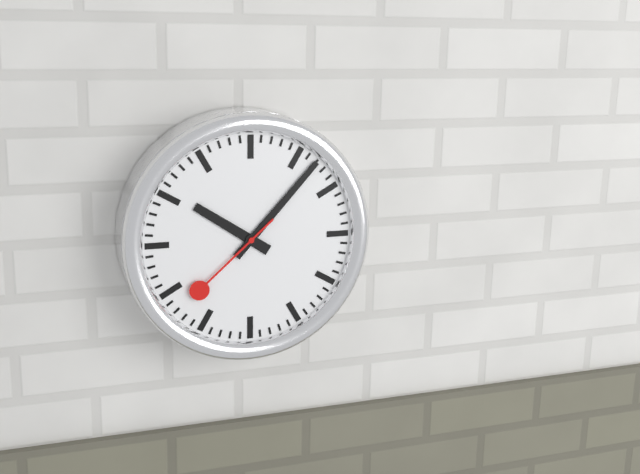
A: 10 h 07 min 38 s
